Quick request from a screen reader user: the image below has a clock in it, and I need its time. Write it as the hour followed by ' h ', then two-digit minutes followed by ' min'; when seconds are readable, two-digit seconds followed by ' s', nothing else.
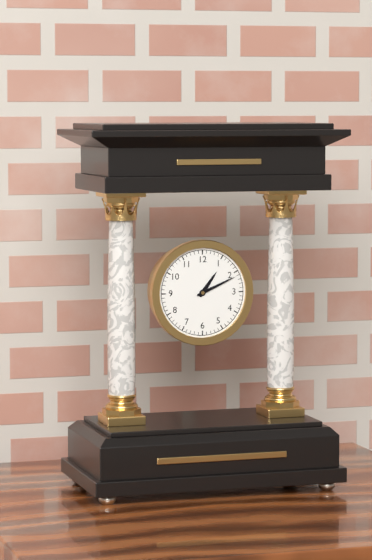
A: 1 h 11 min
